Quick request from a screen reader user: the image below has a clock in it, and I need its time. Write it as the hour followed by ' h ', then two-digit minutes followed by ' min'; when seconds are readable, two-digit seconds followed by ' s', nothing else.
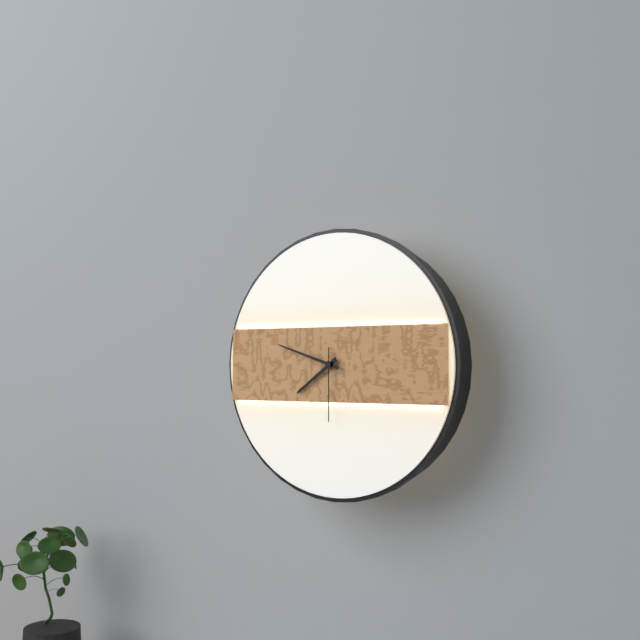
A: 7 h 48 min 30 s
